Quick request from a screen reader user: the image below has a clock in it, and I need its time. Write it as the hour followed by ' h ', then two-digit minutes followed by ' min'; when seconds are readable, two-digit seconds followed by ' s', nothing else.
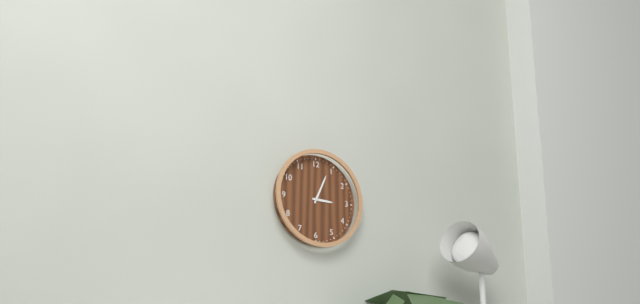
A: 3 h 04 min
